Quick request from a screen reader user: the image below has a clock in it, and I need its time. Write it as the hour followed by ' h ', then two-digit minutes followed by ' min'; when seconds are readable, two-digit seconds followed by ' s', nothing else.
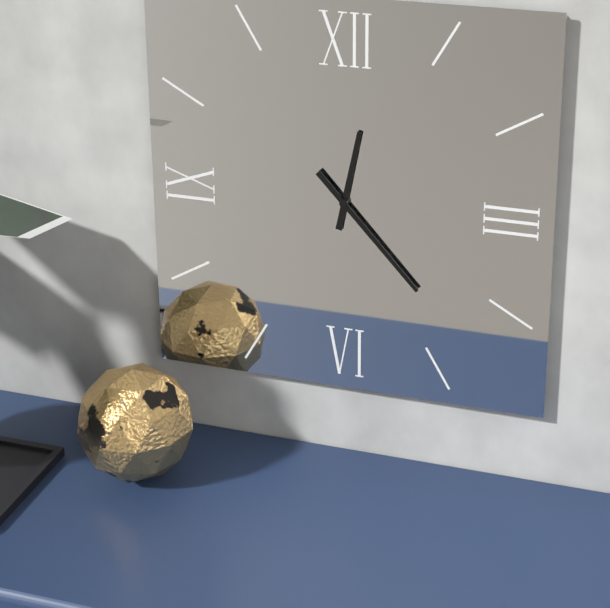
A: 12 h 23 min
